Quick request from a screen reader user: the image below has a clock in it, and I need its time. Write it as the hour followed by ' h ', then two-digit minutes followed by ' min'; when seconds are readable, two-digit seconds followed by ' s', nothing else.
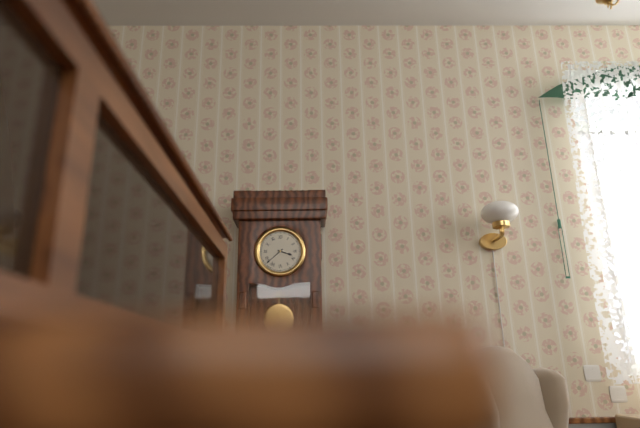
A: 3 h 38 min
